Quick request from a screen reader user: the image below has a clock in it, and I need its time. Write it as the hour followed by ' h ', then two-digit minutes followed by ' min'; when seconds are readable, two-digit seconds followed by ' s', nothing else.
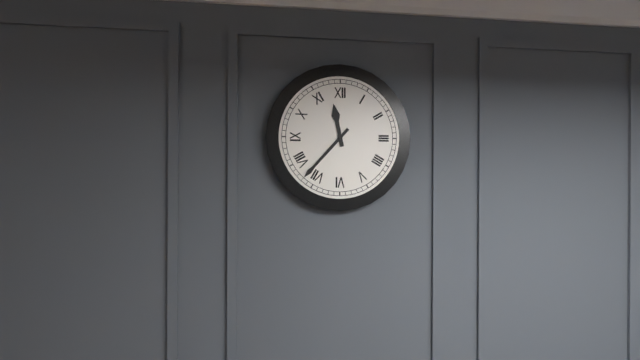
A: 11 h 37 min
